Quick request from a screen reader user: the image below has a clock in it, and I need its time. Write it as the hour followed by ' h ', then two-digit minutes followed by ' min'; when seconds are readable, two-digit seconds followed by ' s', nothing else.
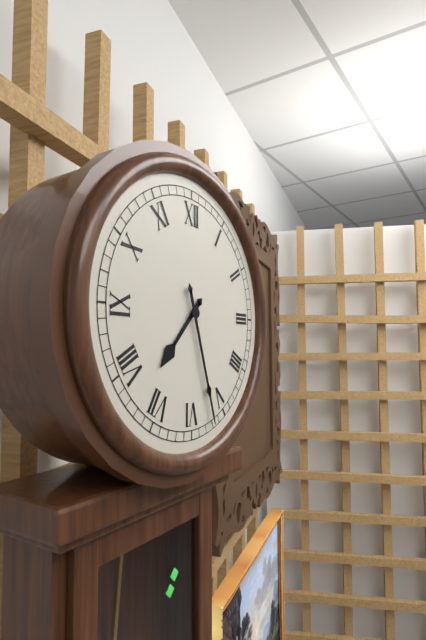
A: 7 h 27 min
